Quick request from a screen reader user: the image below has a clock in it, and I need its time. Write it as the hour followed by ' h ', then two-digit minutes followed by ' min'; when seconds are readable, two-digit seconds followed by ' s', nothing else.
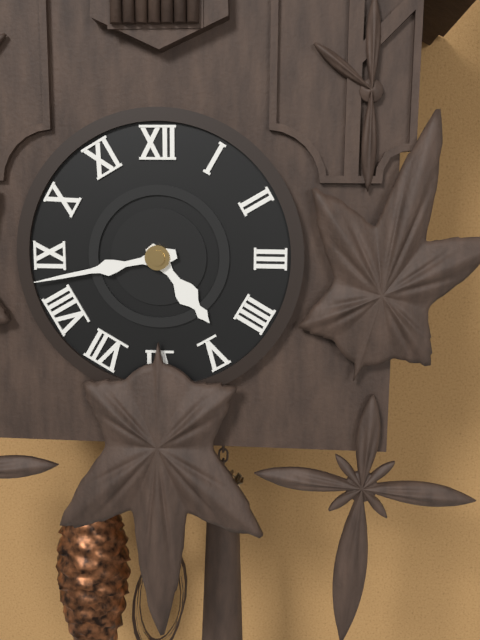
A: 4 h 43 min
